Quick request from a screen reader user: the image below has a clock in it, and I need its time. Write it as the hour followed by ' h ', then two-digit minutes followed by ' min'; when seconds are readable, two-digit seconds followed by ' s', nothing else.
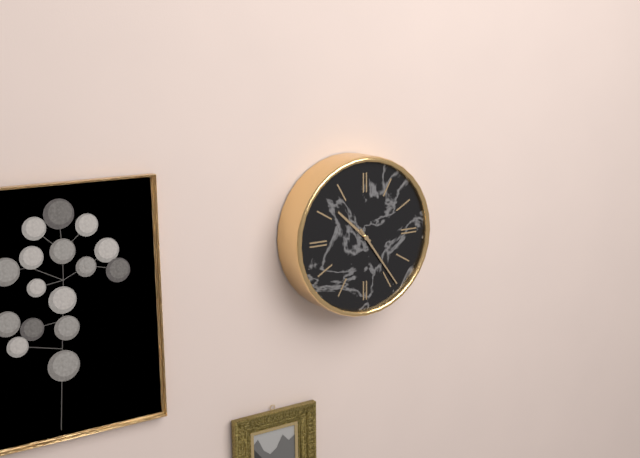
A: 10 h 24 min
